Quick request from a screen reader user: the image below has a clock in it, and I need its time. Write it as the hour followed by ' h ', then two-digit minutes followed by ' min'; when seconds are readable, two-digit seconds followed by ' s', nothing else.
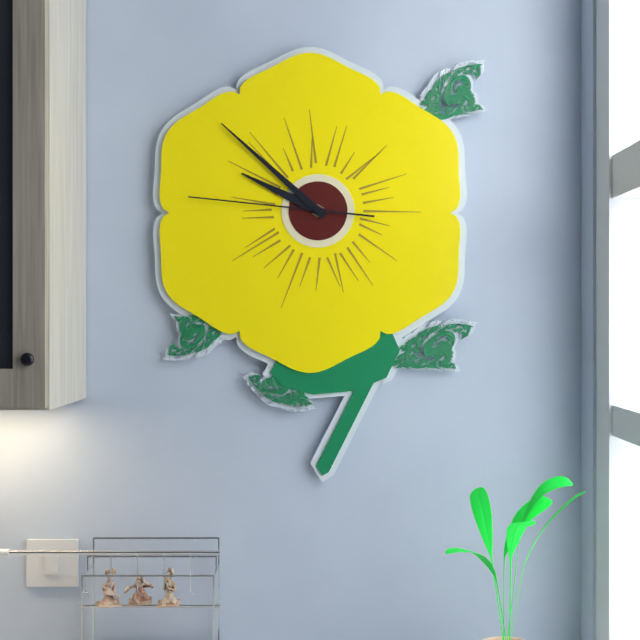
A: 9 h 52 min 46 s
